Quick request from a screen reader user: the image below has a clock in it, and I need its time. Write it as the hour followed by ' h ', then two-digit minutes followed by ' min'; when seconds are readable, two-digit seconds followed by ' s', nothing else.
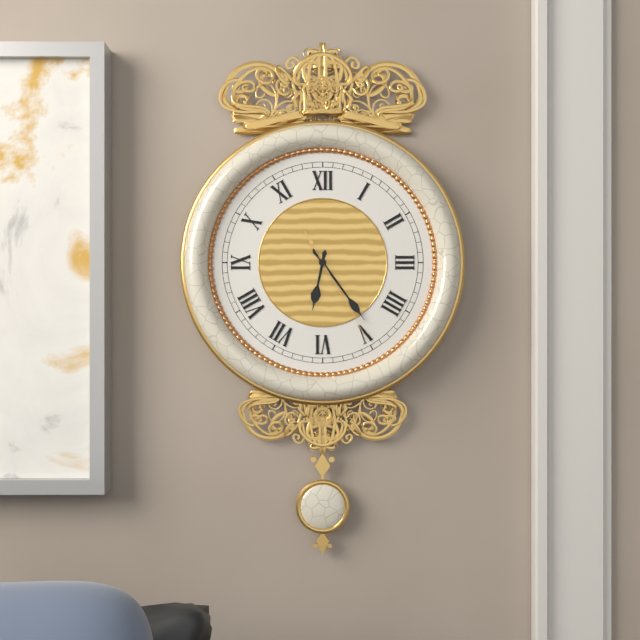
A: 6 h 24 min 25 s
